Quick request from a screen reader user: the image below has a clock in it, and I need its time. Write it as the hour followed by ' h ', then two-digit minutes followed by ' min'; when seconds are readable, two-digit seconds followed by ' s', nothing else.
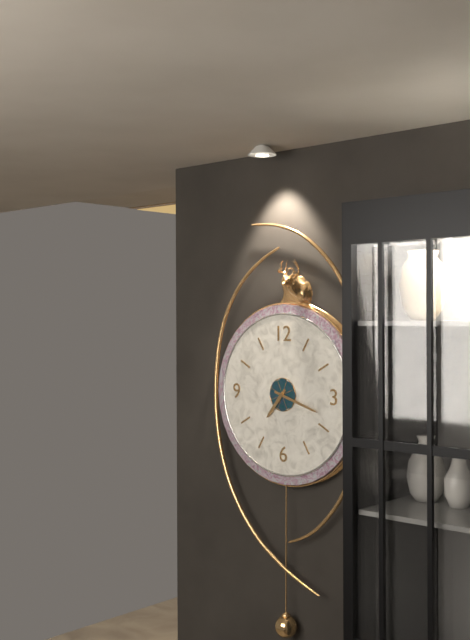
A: 7 h 18 min
